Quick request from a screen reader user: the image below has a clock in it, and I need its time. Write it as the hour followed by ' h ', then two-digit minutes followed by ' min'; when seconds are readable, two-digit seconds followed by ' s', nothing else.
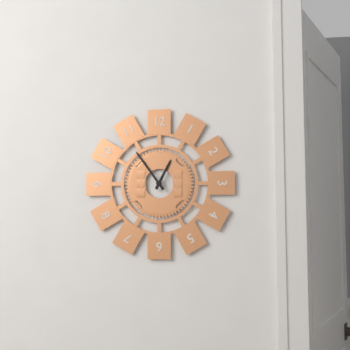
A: 12 h 54 min
